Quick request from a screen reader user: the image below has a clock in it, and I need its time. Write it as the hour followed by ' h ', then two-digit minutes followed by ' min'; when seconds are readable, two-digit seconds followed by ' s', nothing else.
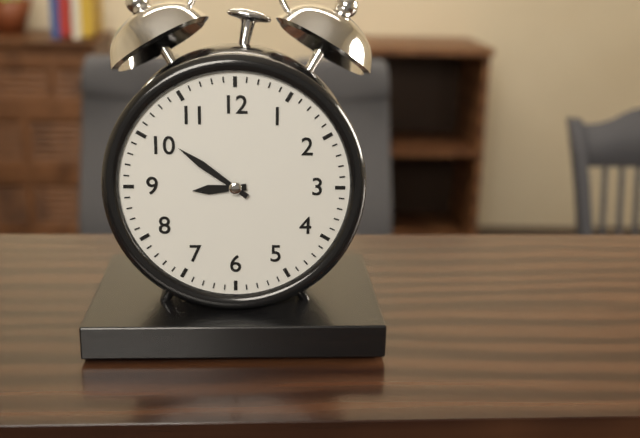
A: 8 h 51 min
